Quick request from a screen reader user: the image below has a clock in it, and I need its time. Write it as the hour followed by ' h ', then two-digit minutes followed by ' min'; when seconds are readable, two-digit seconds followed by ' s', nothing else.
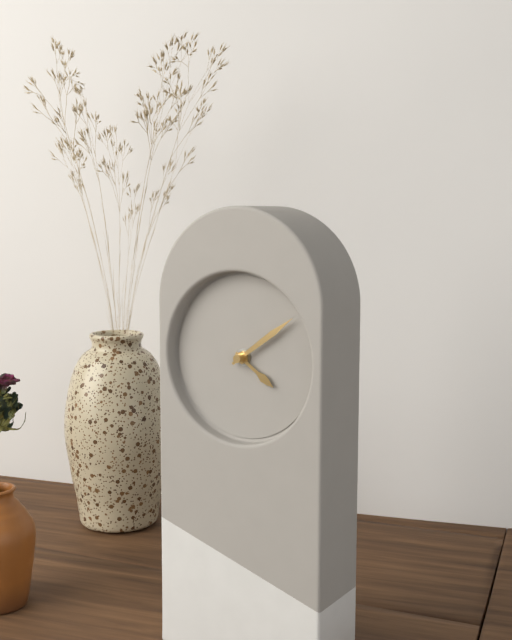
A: 4 h 09 min
